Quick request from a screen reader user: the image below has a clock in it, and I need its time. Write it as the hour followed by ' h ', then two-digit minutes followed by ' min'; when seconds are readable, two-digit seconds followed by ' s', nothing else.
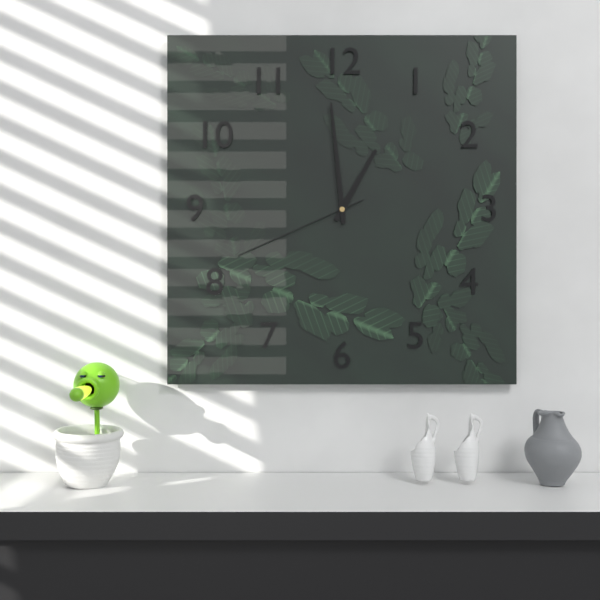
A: 12 h 59 min 41 s
